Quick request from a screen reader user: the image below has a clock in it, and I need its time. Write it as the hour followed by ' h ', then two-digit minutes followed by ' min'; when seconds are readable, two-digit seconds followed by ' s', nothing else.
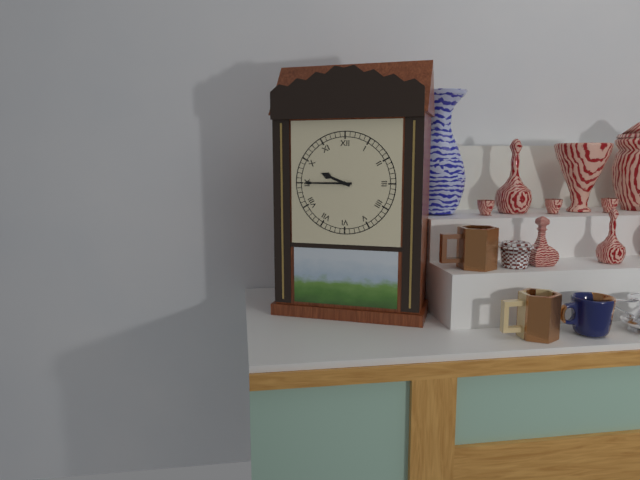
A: 9 h 45 min
